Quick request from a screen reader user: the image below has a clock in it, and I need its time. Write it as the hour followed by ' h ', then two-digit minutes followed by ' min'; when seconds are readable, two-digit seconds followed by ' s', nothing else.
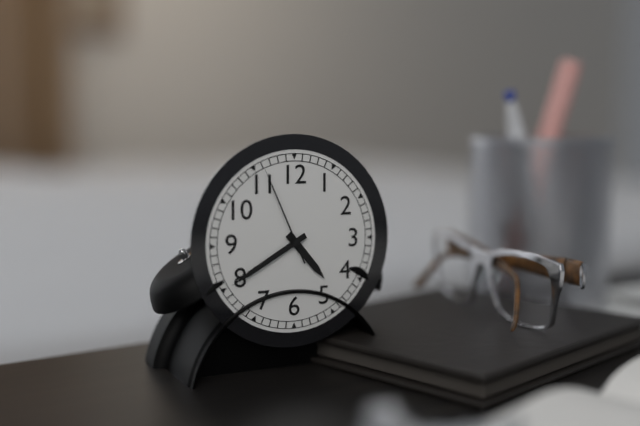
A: 4 h 40 min 56 s
